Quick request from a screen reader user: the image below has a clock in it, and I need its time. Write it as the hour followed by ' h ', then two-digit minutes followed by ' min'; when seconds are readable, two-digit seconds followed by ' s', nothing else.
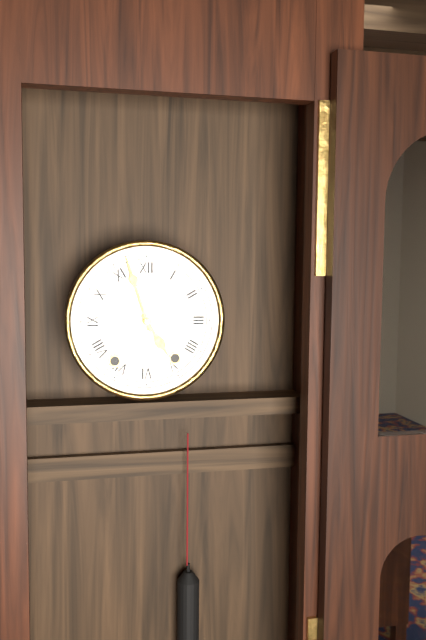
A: 4 h 57 min
